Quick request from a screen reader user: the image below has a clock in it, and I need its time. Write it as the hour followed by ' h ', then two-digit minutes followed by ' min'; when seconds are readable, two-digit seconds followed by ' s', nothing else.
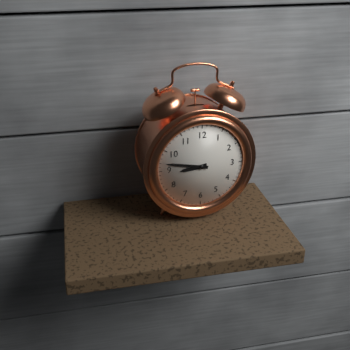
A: 8 h 47 min
